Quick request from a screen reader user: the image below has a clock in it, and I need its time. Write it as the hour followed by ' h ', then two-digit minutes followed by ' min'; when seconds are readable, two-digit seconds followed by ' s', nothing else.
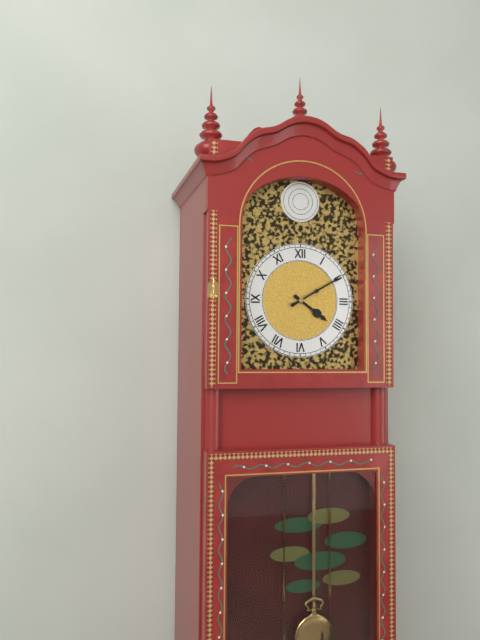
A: 4 h 10 min
